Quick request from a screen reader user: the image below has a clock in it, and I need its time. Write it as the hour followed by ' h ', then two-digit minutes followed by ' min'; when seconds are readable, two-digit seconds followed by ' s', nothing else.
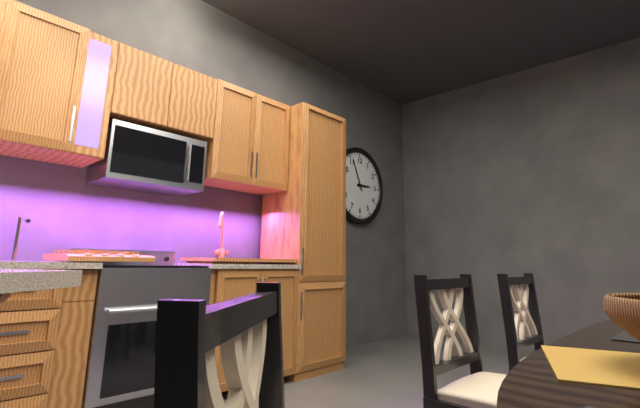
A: 2 h 56 min
